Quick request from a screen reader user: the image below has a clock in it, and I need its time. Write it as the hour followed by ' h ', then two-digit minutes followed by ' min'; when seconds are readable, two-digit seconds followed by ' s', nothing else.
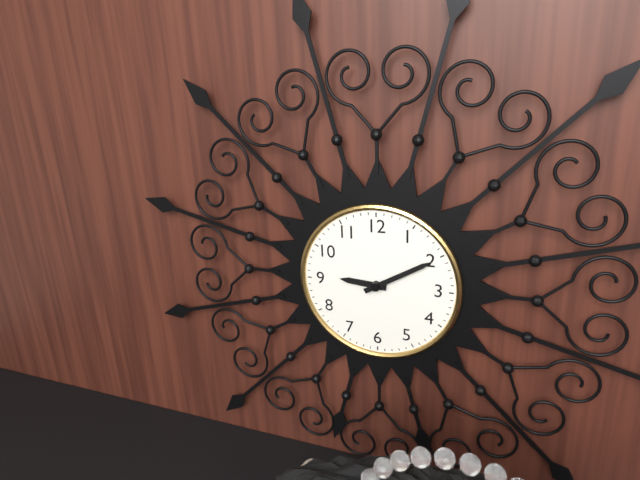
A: 9 h 10 min
